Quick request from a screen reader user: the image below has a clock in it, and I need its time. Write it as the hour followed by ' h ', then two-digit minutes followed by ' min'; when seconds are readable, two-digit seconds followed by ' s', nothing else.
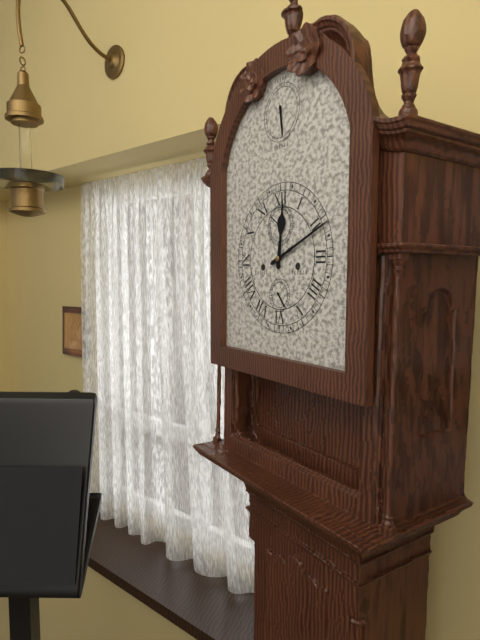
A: 12 h 11 min
